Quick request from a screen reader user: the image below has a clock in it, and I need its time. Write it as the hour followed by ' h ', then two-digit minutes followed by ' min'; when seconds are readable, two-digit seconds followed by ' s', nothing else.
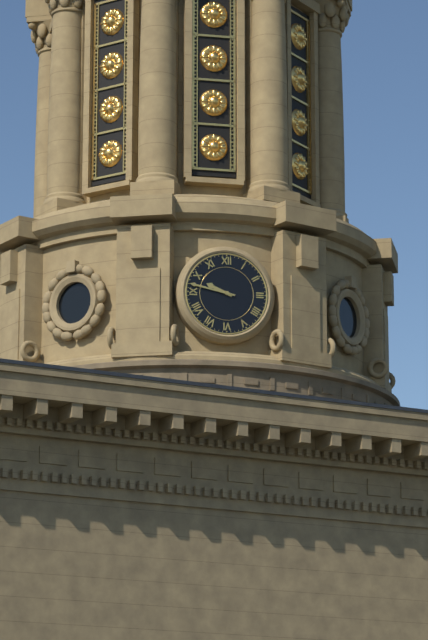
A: 9 h 47 min
